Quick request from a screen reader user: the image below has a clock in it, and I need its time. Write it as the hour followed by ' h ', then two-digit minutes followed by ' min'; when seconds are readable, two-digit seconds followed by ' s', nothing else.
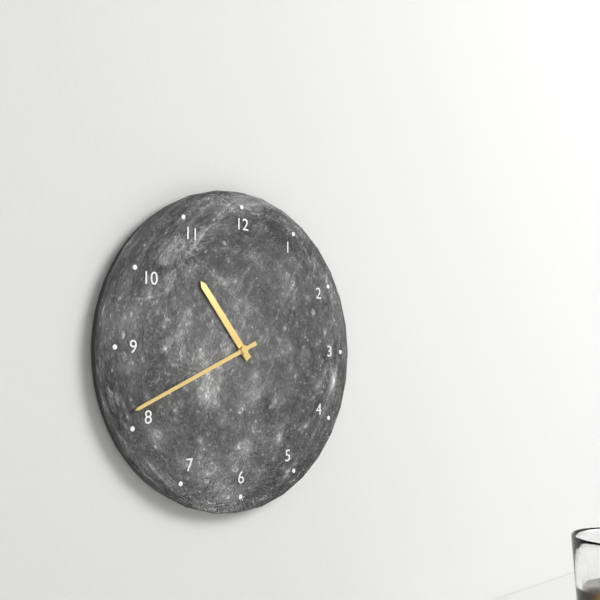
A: 10 h 41 min
